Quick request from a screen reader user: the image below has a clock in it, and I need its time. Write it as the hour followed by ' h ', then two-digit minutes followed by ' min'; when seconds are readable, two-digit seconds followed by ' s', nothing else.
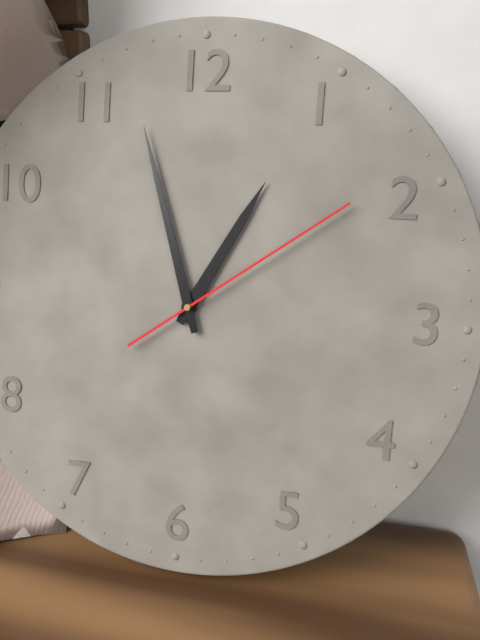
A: 12 h 57 min 09 s
